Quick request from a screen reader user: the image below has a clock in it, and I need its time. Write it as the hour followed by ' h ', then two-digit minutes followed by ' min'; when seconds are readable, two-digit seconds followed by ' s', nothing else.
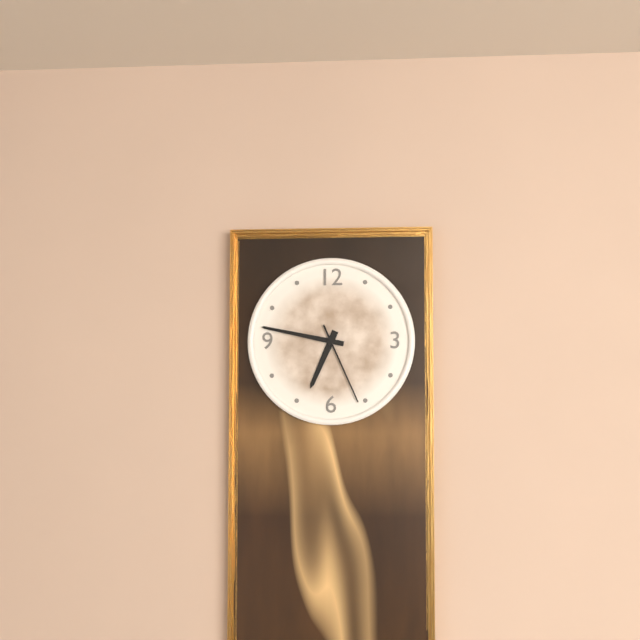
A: 6 h 47 min 26 s
